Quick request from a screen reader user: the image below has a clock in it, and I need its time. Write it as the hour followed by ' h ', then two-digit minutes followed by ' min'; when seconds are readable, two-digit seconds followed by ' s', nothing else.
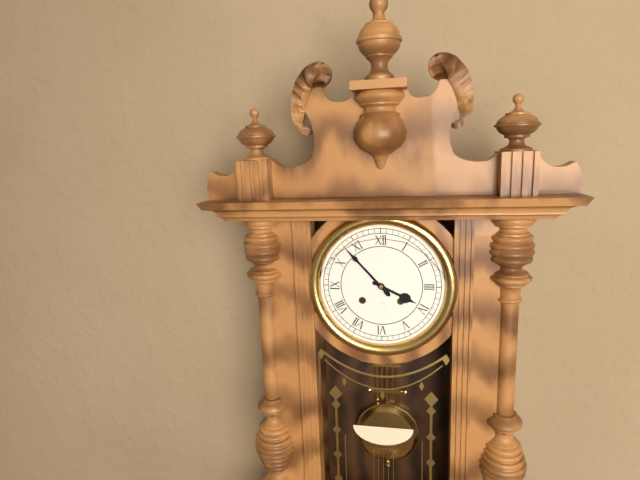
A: 3 h 53 min
